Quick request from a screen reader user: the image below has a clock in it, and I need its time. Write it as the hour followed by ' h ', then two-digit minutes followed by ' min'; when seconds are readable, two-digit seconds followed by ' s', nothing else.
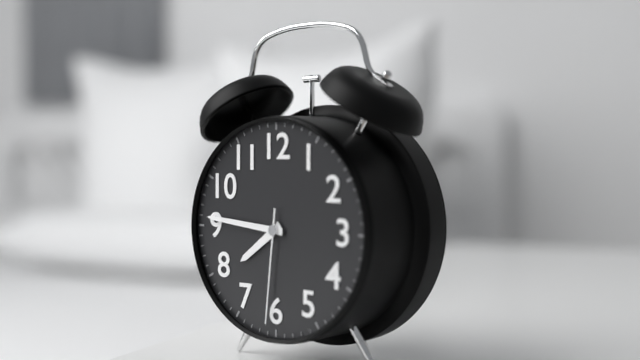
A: 7 h 46 min 31 s
